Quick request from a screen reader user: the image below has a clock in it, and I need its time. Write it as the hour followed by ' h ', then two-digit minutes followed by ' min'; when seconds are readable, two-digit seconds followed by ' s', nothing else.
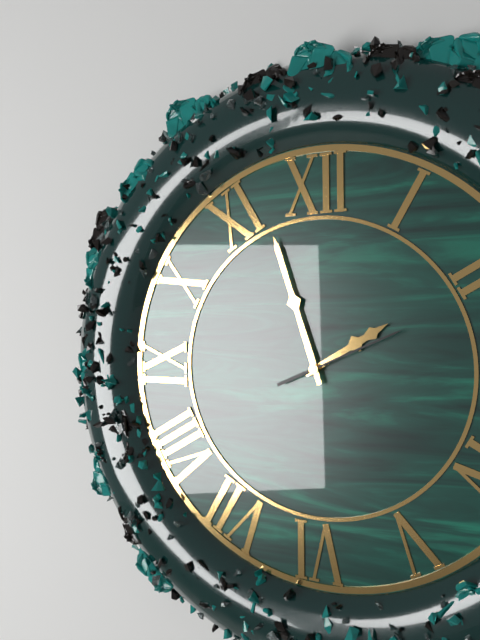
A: 1 h 57 min 11 s
